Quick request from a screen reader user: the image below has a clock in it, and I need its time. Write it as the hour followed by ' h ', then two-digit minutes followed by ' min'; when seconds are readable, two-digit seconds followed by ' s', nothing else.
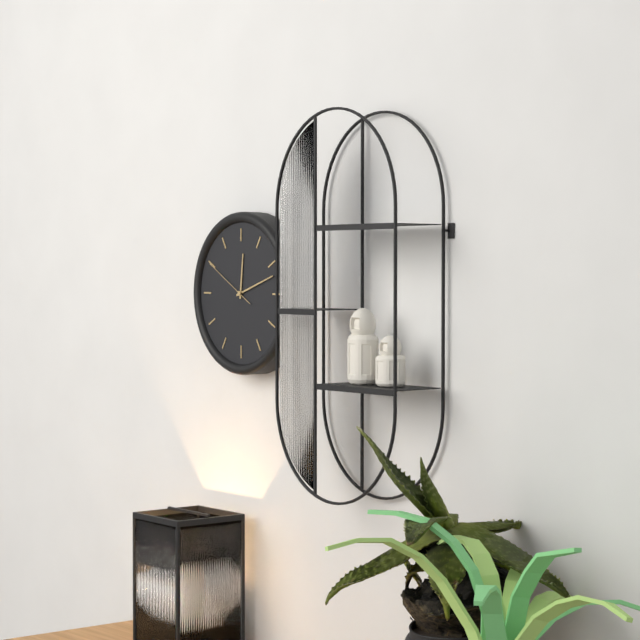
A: 12 h 12 min 50 s
